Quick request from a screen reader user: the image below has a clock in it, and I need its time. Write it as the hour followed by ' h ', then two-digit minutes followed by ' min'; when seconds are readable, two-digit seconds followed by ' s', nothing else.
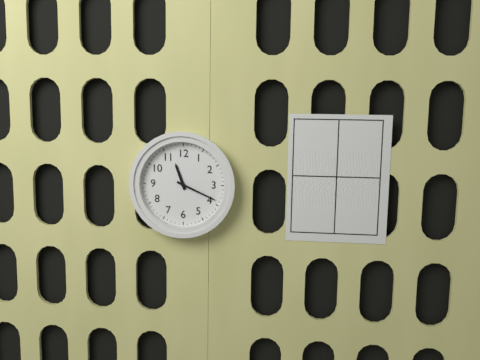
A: 11 h 19 min
